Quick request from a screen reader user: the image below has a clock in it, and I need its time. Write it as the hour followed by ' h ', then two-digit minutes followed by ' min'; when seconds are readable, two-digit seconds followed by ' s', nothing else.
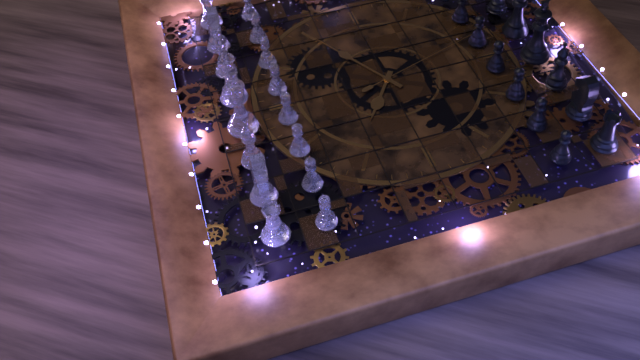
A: 10 h 10 min 27 s
